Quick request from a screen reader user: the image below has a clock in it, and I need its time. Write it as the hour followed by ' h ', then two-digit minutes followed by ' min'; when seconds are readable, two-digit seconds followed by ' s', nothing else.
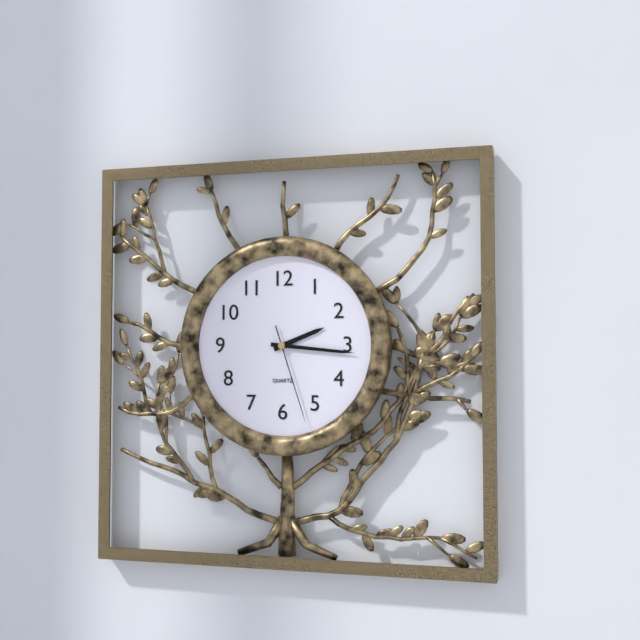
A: 2 h 16 min 27 s
